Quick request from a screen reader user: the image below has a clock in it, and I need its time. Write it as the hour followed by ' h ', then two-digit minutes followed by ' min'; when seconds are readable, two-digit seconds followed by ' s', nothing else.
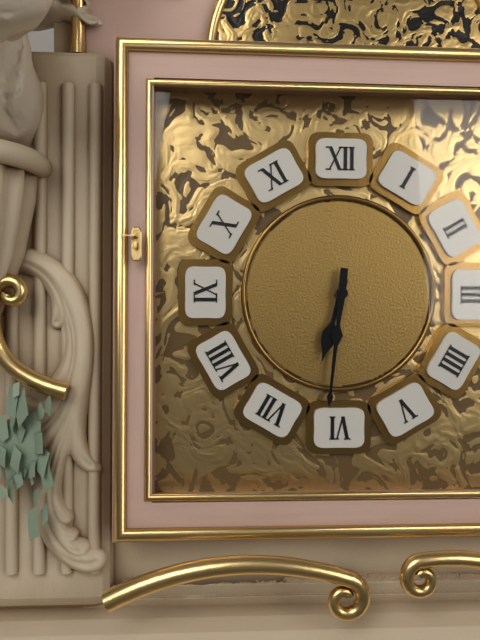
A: 6 h 31 min
